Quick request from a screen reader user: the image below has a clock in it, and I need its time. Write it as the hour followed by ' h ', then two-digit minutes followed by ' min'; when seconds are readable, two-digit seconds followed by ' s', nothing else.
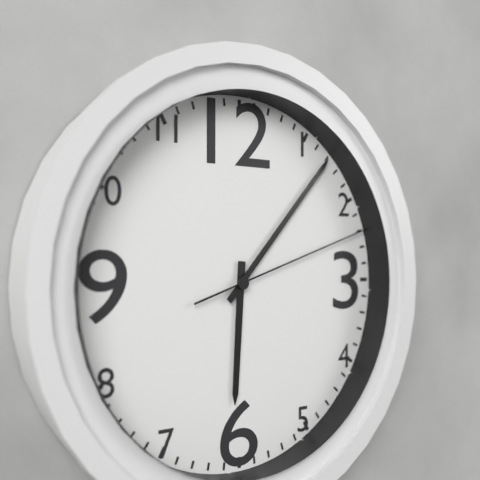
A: 6 h 07 min 12 s
